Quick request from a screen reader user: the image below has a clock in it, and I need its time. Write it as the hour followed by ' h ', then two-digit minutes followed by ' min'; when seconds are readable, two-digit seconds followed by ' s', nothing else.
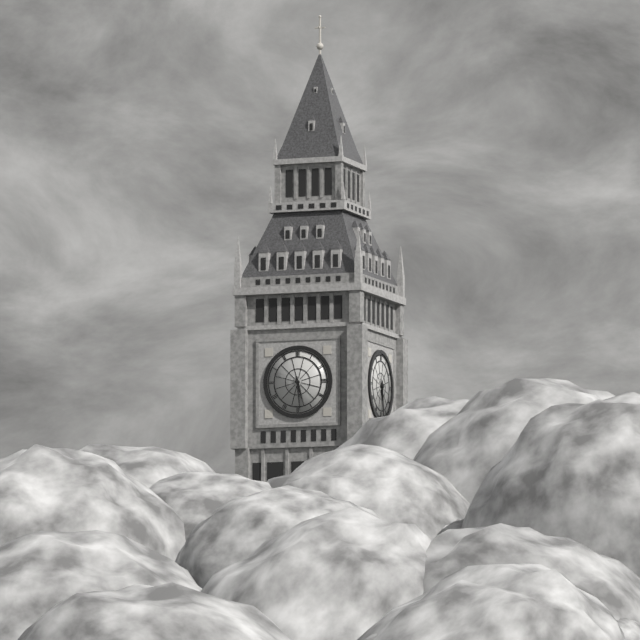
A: 5 h 29 min
